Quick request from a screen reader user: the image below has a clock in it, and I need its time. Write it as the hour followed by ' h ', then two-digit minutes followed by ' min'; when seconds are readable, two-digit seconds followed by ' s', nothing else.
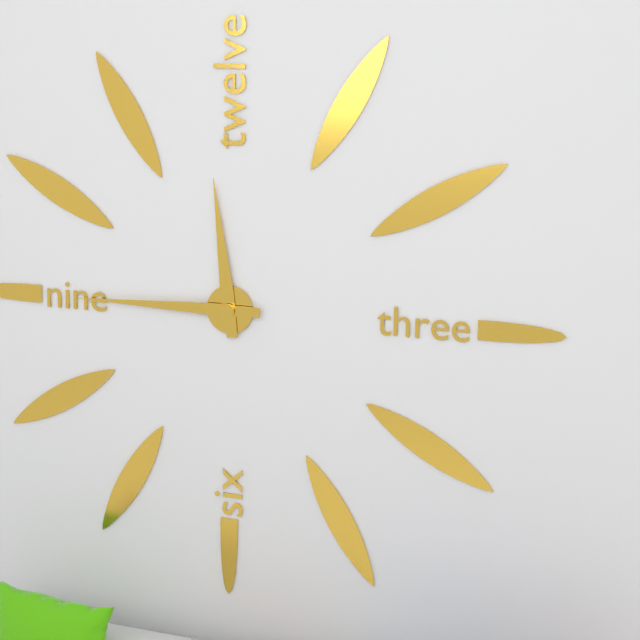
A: 11 h 45 min
